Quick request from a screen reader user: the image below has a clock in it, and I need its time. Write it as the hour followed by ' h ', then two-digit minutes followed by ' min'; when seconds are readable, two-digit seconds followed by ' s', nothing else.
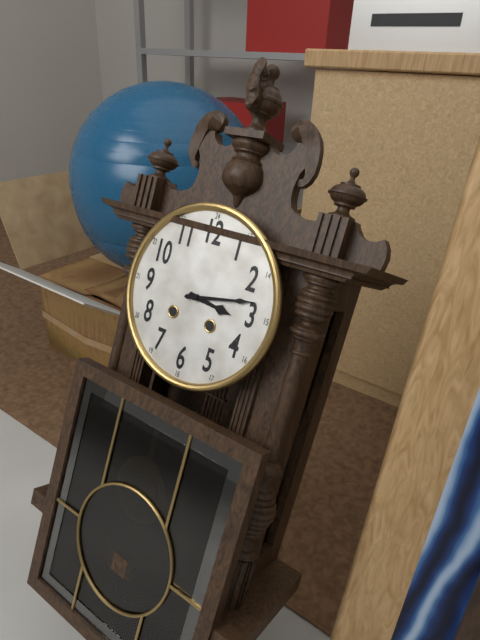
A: 3 h 13 min
